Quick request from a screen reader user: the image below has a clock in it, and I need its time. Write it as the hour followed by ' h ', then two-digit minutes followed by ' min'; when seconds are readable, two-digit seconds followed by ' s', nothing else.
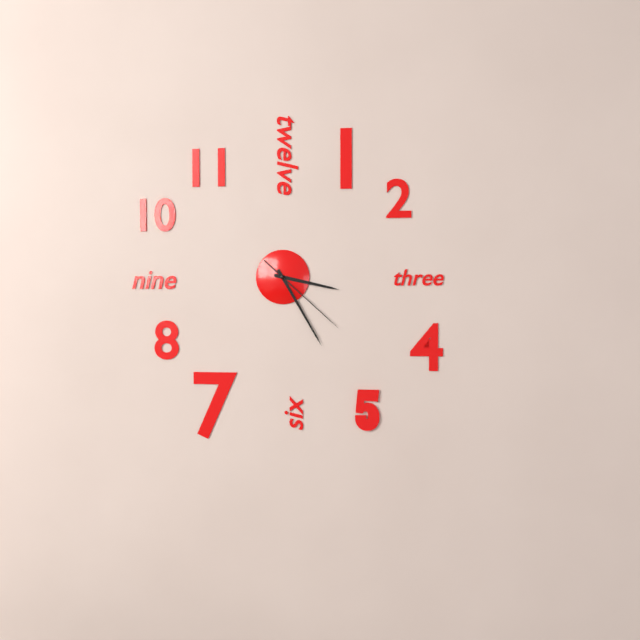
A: 3 h 25 min 22 s
